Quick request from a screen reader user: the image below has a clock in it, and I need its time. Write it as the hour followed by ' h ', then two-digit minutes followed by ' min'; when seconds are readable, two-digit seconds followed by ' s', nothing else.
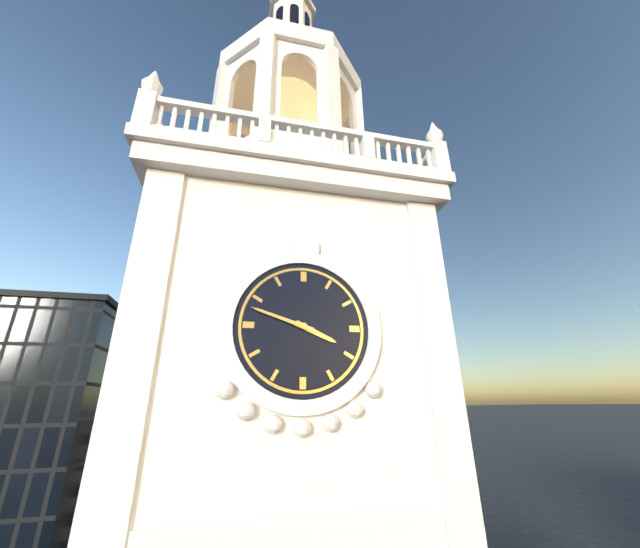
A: 3 h 48 min
